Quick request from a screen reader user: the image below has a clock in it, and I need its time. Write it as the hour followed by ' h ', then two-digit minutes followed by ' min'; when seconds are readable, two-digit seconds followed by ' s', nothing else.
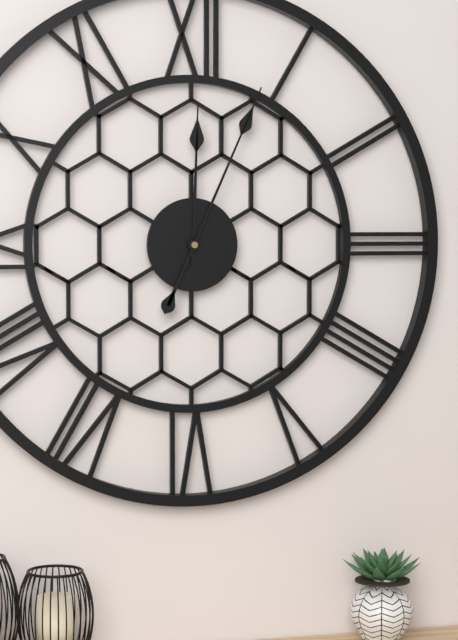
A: 12 h 04 min
